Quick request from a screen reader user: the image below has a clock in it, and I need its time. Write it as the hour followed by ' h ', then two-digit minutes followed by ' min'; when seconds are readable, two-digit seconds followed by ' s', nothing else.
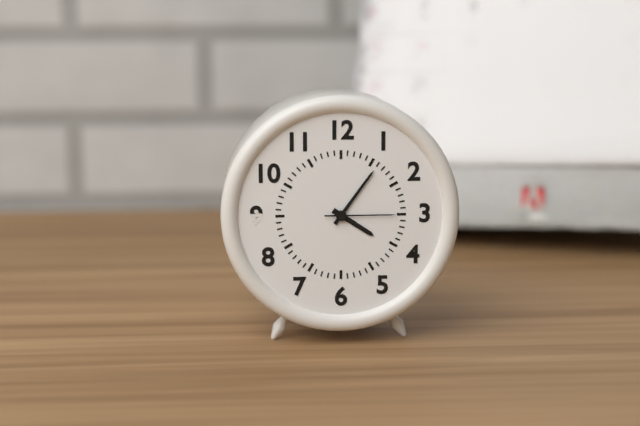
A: 4 h 06 min 15 s
